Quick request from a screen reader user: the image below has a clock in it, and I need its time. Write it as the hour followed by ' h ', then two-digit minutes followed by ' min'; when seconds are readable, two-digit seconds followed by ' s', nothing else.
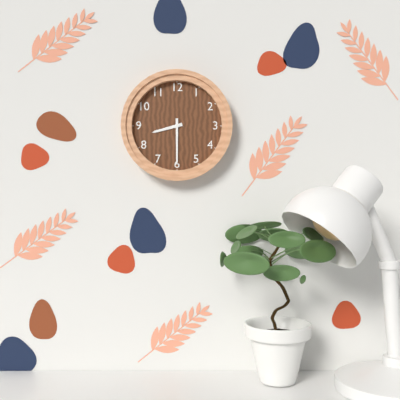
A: 8 h 30 min
